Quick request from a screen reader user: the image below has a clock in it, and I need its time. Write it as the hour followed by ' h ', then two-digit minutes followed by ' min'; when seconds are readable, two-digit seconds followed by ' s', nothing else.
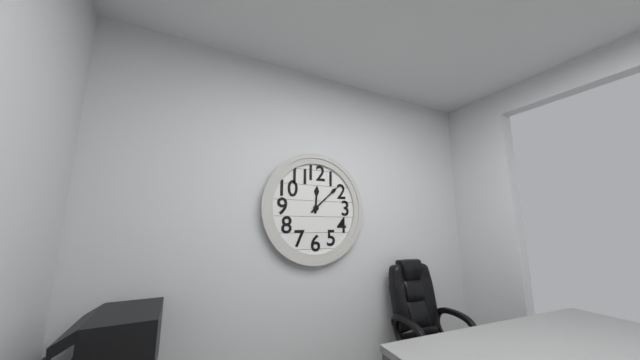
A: 12 h 08 min
